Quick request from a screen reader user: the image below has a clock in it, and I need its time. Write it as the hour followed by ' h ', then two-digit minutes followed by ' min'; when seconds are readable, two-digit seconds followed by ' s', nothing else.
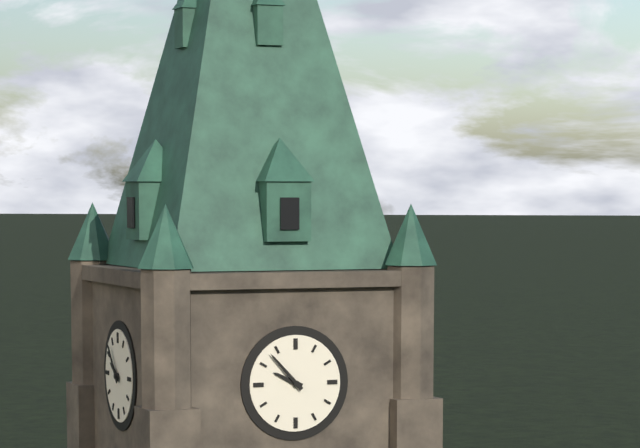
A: 9 h 53 min
